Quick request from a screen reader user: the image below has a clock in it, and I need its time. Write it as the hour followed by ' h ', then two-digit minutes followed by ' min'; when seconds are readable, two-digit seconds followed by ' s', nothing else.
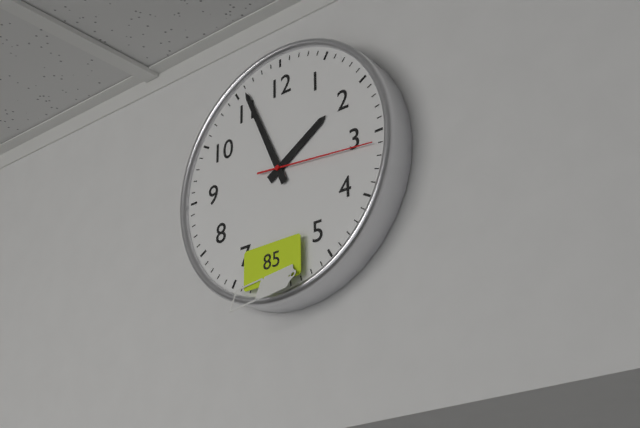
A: 1 h 56 min 16 s
